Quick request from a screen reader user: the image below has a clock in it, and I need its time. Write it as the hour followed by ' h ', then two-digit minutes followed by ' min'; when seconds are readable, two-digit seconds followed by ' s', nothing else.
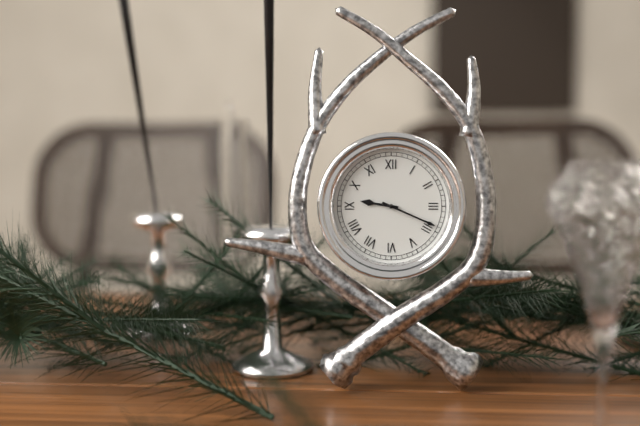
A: 9 h 19 min
